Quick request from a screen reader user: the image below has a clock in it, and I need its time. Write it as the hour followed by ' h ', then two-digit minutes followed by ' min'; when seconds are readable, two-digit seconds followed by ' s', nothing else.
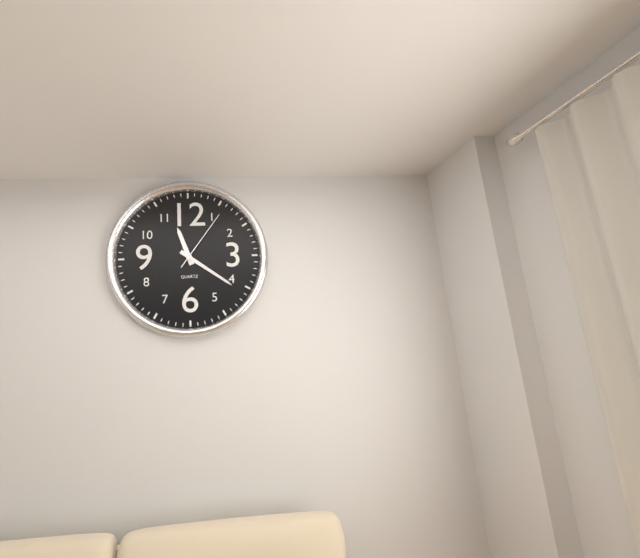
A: 11 h 21 min 06 s
